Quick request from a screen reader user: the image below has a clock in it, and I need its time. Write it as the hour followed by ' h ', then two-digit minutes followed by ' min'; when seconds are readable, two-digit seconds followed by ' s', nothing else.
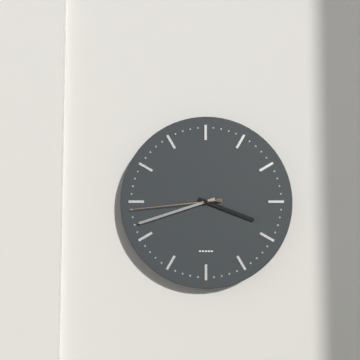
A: 3 h 42 min 44 s
